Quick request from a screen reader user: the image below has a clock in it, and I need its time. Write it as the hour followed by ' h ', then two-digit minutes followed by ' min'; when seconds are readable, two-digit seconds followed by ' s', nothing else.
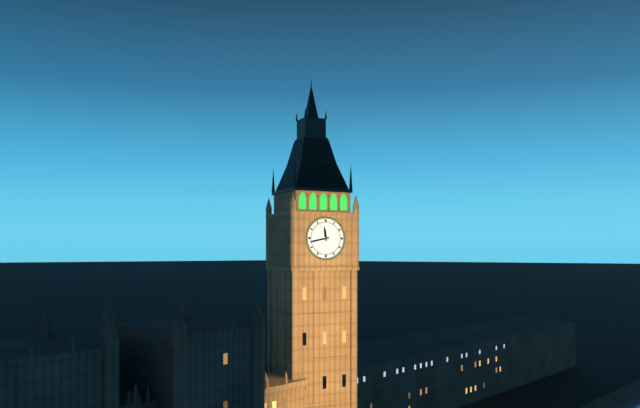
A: 11 h 43 min
